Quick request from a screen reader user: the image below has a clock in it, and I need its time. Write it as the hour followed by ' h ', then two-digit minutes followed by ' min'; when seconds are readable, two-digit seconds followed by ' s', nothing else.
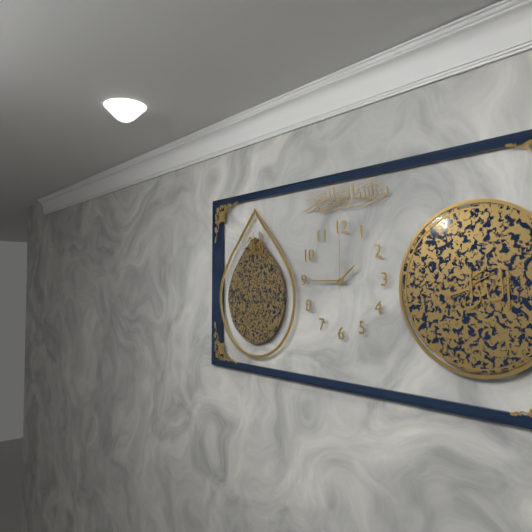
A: 1 h 45 min 00 s
